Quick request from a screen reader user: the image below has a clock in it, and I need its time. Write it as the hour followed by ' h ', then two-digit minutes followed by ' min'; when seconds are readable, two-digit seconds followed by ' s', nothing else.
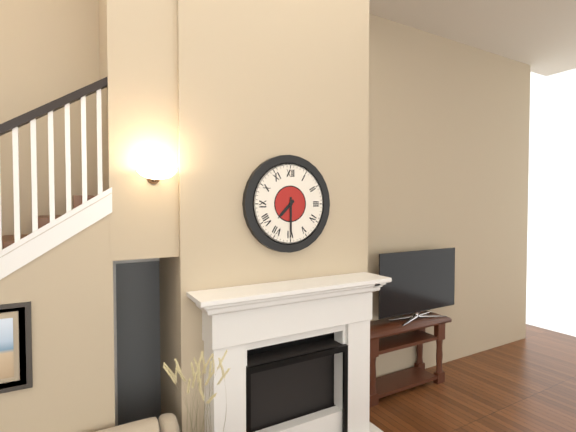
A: 7 h 30 min
